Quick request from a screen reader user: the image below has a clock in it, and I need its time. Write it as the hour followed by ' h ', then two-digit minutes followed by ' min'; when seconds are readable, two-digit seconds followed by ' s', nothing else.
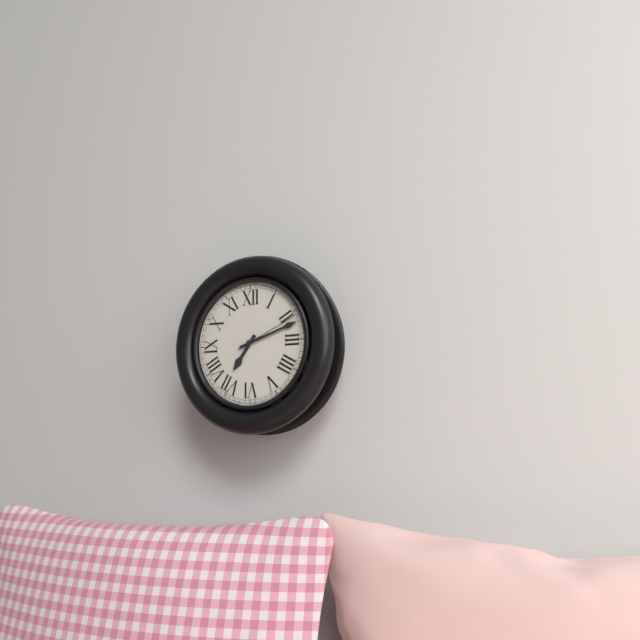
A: 7 h 12 min 11 s
